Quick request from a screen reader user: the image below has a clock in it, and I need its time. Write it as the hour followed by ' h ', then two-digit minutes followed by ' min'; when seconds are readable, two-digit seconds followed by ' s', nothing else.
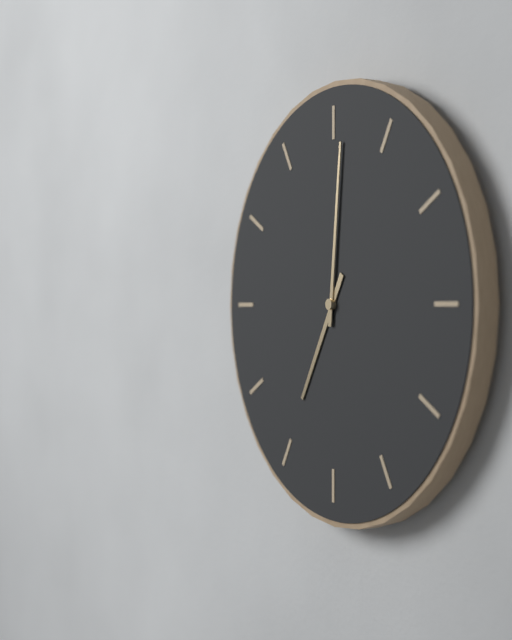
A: 7 h 01 min
